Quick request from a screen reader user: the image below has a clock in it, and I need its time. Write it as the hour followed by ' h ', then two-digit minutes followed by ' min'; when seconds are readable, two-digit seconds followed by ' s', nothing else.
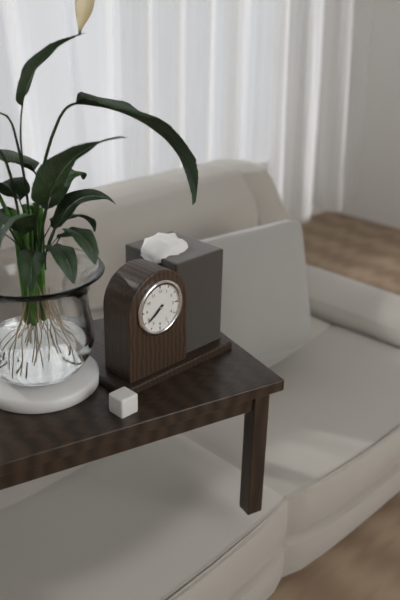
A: 7 h 39 min
